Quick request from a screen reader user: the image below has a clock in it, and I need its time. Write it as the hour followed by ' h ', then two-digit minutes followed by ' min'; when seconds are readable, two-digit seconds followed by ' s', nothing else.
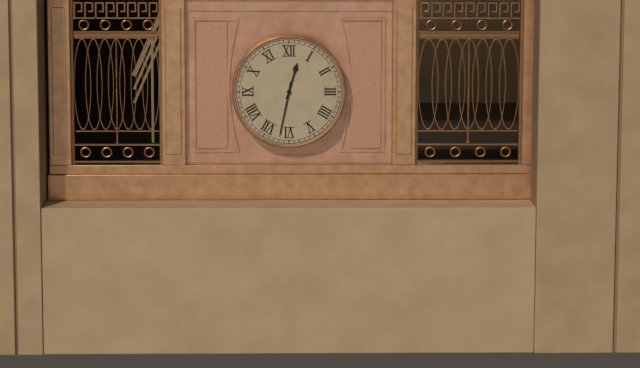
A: 12 h 32 min
